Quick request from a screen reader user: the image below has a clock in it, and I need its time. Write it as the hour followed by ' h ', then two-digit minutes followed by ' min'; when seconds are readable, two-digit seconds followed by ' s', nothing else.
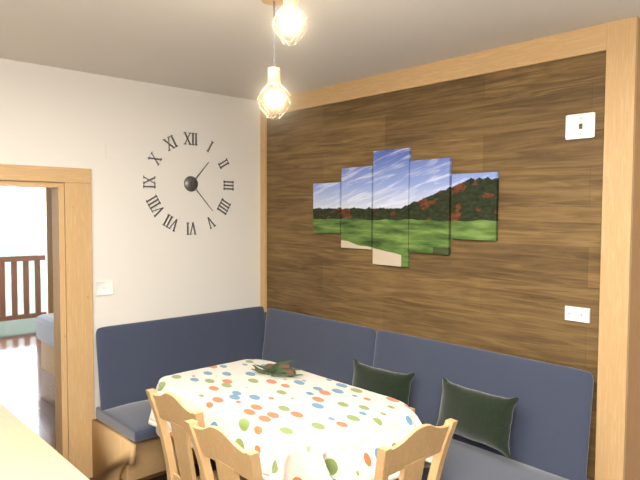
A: 1 h 23 min
